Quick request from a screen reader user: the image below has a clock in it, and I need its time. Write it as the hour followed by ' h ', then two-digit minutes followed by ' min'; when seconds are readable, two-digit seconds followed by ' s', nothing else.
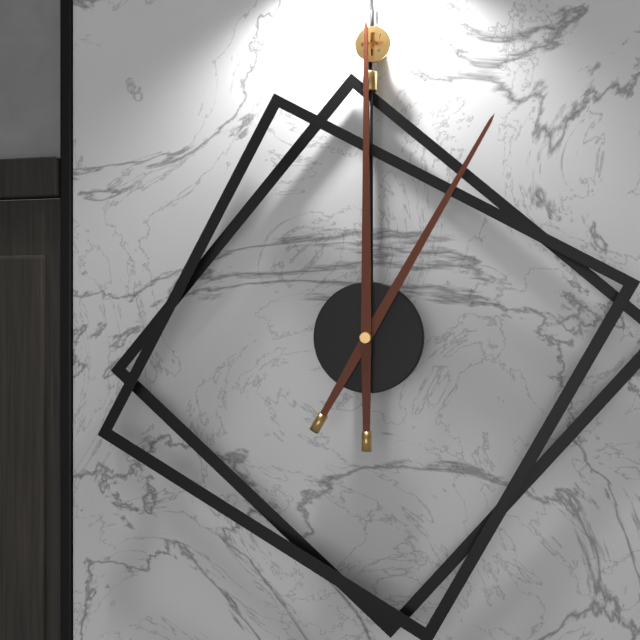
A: 1 h 00 min
